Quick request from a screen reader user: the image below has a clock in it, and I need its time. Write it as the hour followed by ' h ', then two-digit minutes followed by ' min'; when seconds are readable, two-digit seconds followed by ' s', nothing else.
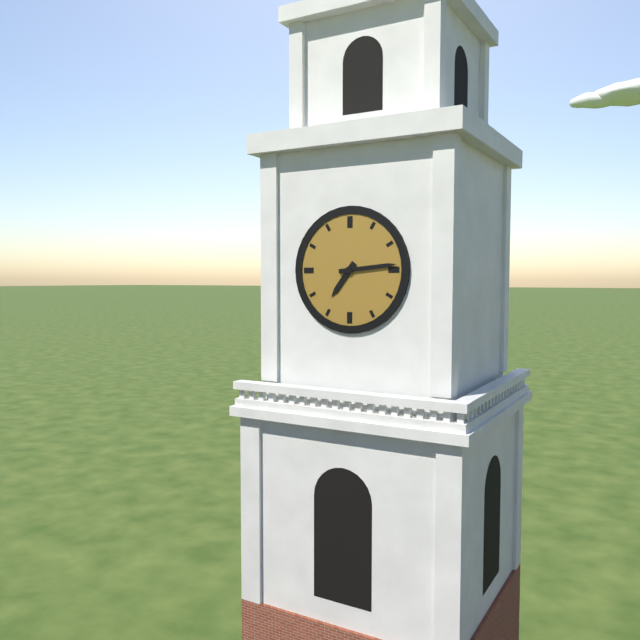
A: 7 h 14 min
